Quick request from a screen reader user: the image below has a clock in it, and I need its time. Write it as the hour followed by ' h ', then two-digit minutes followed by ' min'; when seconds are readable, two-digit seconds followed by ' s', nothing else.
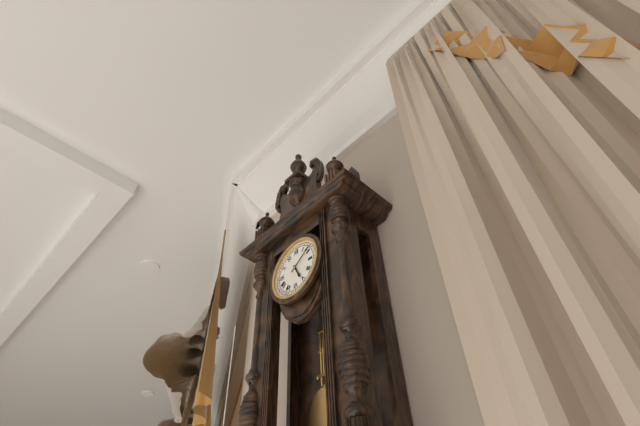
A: 5 h 09 min
